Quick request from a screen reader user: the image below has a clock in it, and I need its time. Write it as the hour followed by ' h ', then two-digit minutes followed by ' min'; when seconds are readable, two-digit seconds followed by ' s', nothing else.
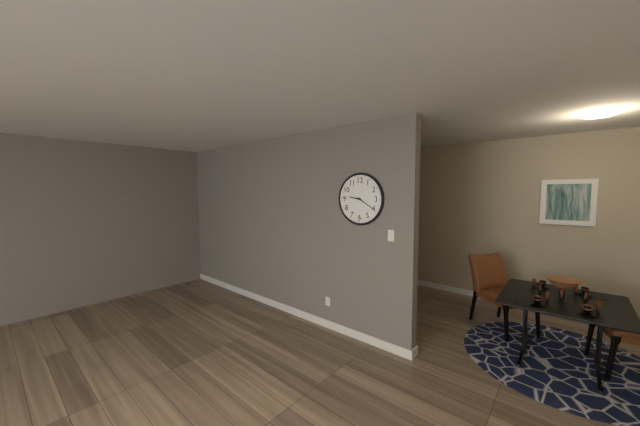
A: 9 h 20 min
